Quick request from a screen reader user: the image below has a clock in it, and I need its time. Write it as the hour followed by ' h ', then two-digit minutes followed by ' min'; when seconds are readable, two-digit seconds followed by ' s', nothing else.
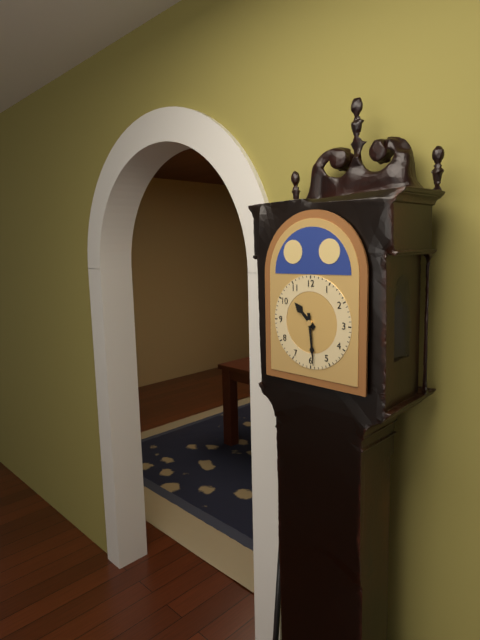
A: 10 h 29 min
